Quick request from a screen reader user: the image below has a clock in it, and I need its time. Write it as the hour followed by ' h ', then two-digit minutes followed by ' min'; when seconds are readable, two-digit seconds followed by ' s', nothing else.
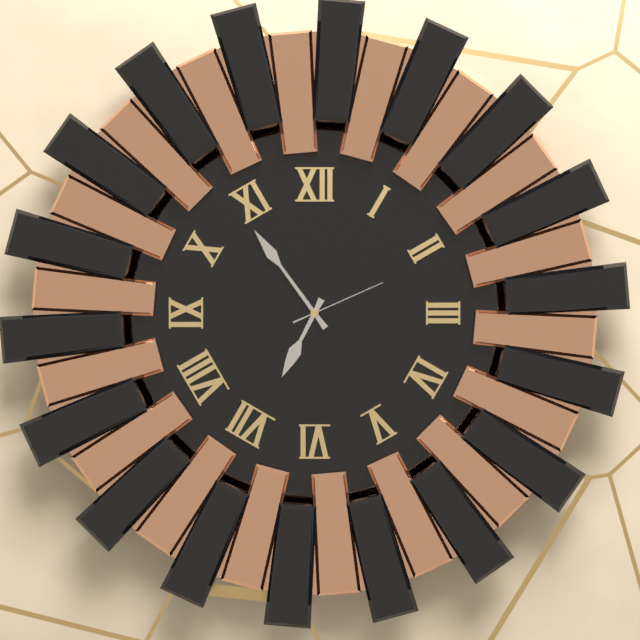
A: 6 h 54 min 11 s
